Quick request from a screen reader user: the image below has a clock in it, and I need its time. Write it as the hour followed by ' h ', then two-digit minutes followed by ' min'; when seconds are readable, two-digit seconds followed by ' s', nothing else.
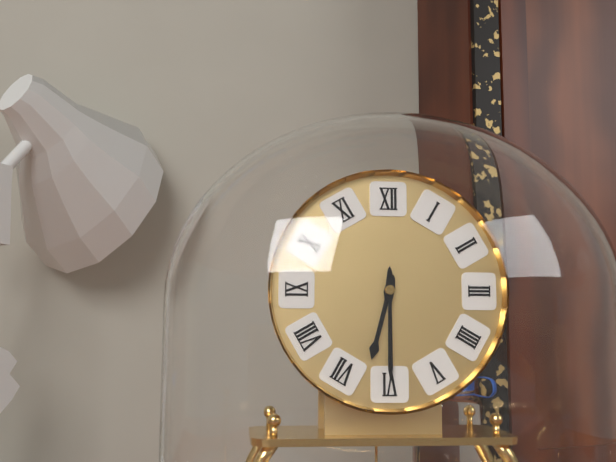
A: 6 h 30 min
